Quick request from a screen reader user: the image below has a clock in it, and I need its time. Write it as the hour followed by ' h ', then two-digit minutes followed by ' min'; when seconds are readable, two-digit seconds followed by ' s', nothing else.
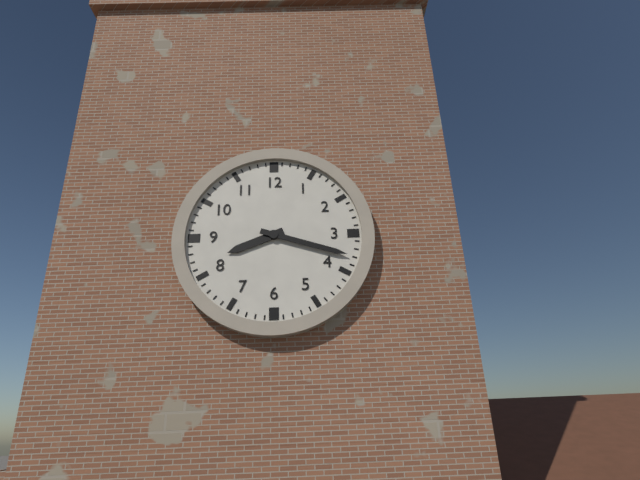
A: 8 h 18 min
